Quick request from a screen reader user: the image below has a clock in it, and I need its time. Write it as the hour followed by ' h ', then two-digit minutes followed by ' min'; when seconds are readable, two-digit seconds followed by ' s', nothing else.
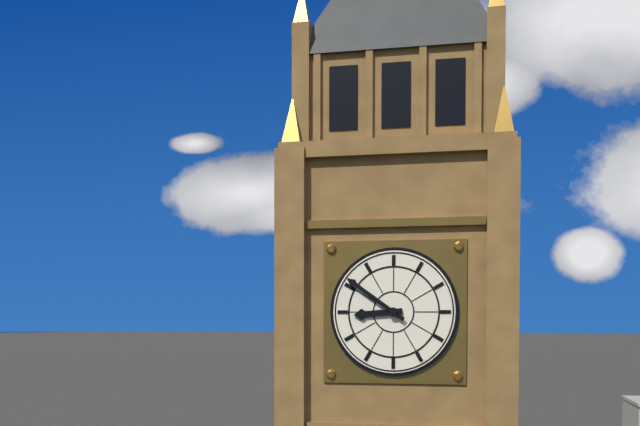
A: 8 h 51 min
